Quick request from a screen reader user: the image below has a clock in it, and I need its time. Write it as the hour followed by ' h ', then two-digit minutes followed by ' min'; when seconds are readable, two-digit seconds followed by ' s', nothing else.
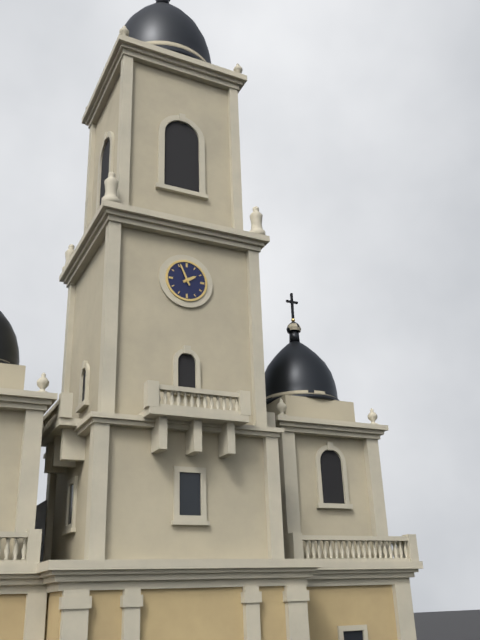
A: 1 h 56 min
